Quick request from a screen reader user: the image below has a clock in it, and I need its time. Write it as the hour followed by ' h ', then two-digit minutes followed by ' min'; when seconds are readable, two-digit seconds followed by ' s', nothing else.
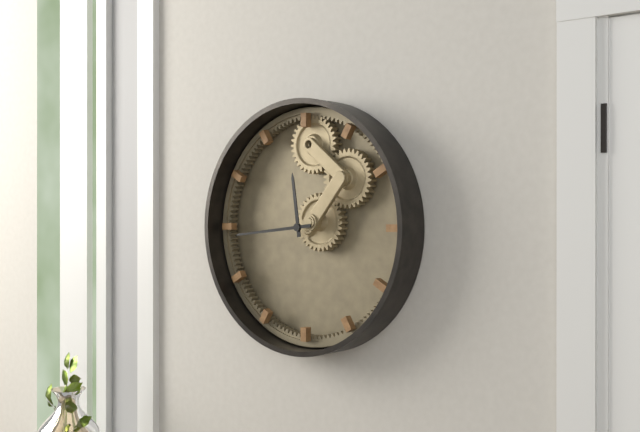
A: 11 h 44 min
